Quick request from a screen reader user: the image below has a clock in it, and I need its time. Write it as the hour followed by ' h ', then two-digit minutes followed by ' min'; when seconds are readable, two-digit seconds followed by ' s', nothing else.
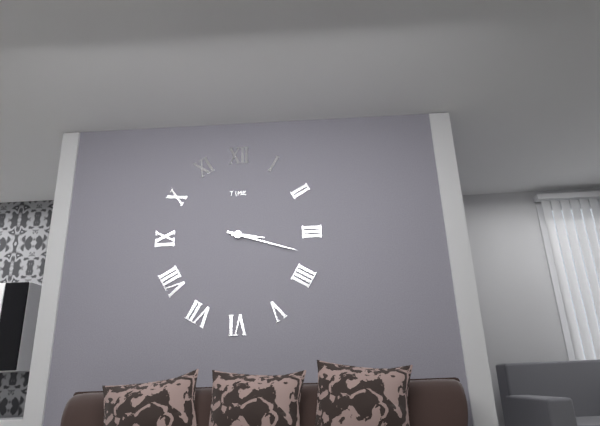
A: 3 h 18 min
